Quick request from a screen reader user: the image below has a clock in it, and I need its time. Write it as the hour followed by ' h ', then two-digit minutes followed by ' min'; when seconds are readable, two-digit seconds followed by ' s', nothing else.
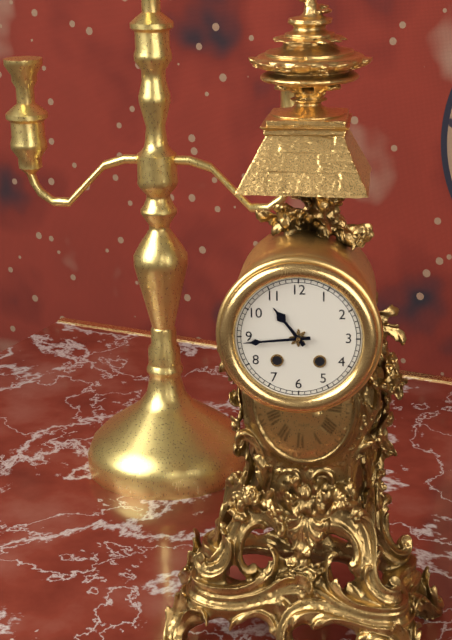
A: 10 h 44 min
